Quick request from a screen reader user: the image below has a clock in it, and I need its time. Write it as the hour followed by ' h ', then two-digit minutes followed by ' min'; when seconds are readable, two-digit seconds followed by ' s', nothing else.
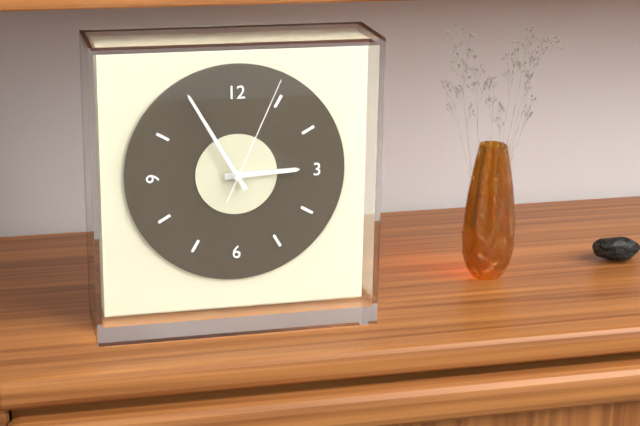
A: 2 h 55 min 04 s
